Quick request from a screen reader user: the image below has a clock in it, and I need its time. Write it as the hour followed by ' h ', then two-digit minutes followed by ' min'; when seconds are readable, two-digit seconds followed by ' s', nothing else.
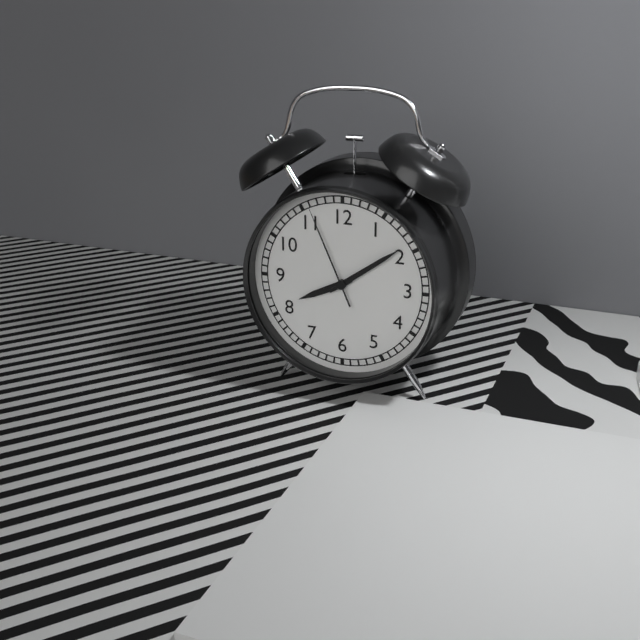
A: 8 h 09 min 56 s
